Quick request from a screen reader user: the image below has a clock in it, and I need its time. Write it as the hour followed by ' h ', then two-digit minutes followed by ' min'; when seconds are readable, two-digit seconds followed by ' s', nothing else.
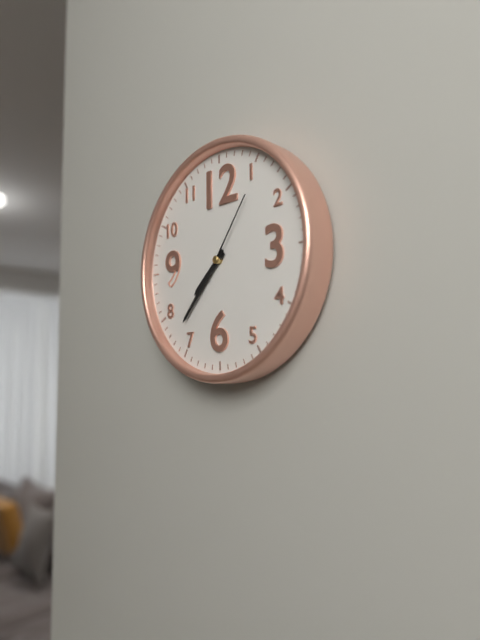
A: 7 h 37 min 06 s
